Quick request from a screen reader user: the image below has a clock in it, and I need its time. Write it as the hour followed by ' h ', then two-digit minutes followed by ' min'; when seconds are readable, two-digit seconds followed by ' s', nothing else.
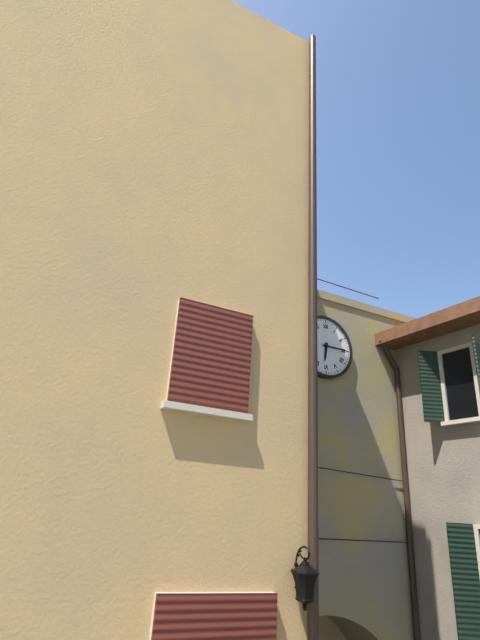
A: 6 h 15 min
